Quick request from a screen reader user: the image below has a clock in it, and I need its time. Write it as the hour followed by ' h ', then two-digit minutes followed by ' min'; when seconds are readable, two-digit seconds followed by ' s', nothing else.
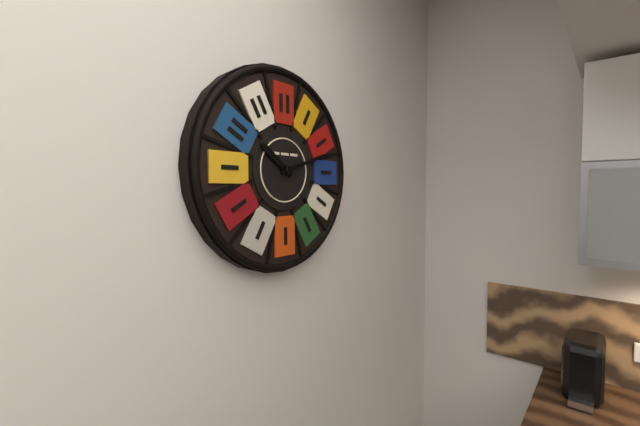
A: 10 h 12 min
